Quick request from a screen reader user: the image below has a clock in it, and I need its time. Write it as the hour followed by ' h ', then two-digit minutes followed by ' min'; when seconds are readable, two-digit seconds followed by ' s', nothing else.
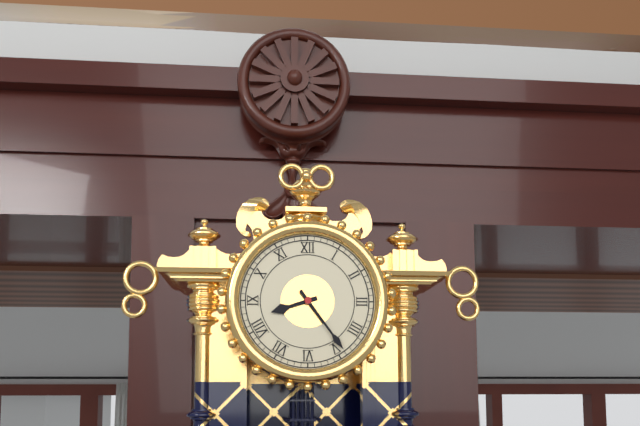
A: 8 h 24 min
